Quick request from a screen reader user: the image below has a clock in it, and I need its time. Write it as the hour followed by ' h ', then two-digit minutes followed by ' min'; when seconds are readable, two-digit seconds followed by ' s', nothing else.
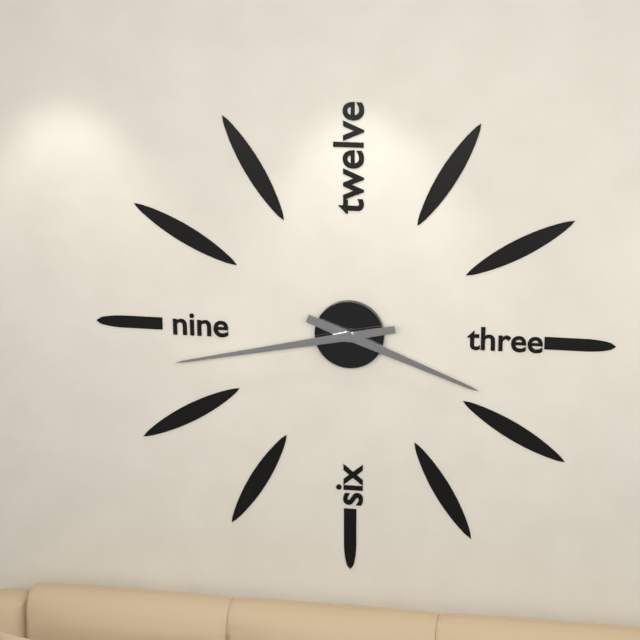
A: 3 h 43 min
